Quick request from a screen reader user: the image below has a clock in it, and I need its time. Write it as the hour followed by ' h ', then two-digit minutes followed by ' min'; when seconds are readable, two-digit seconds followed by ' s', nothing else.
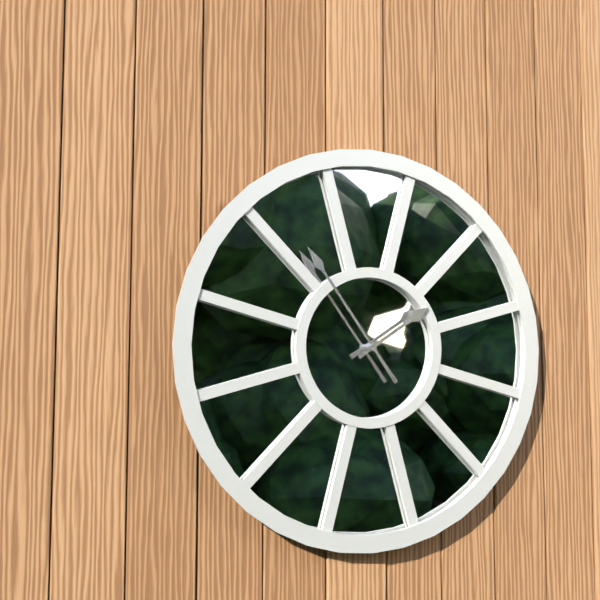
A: 1 h 54 min
